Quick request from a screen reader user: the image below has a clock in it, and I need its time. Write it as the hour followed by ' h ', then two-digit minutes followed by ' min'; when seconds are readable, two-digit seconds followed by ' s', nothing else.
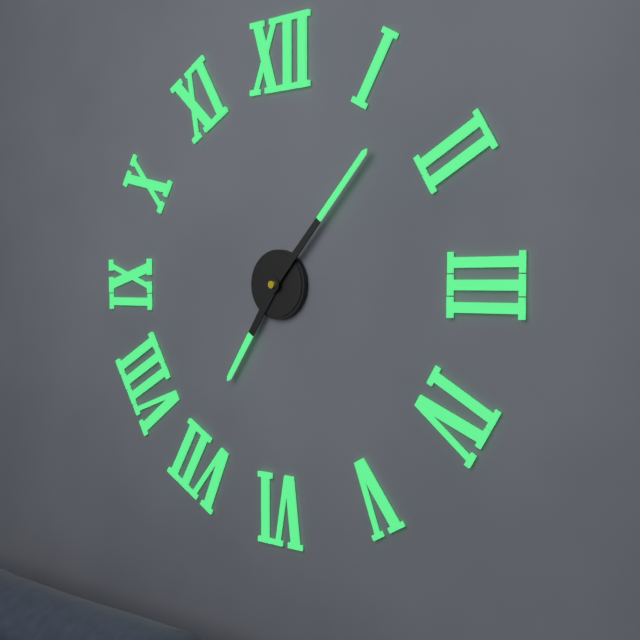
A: 7 h 07 min
